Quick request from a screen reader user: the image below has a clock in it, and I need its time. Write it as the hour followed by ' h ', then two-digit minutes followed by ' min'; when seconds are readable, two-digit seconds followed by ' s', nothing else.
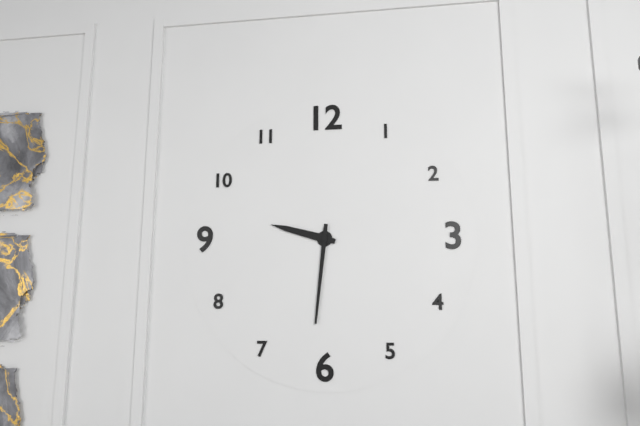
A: 9 h 31 min
